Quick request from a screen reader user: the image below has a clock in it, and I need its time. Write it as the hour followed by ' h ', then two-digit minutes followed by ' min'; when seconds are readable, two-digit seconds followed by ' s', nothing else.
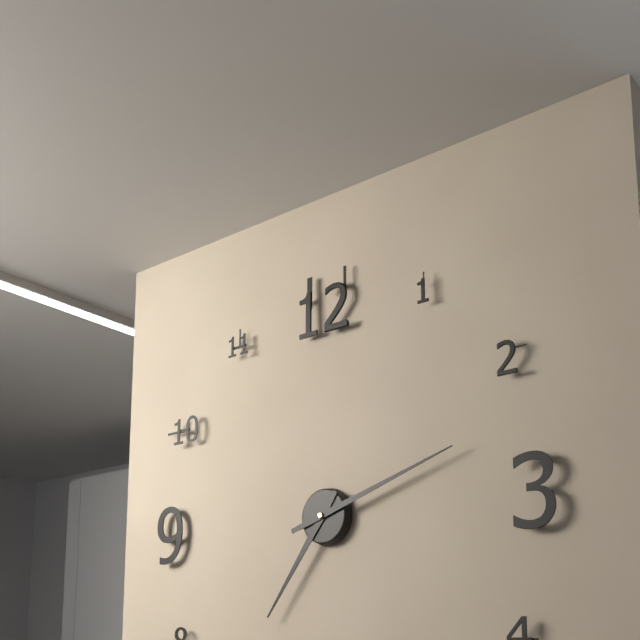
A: 7 h 12 min
